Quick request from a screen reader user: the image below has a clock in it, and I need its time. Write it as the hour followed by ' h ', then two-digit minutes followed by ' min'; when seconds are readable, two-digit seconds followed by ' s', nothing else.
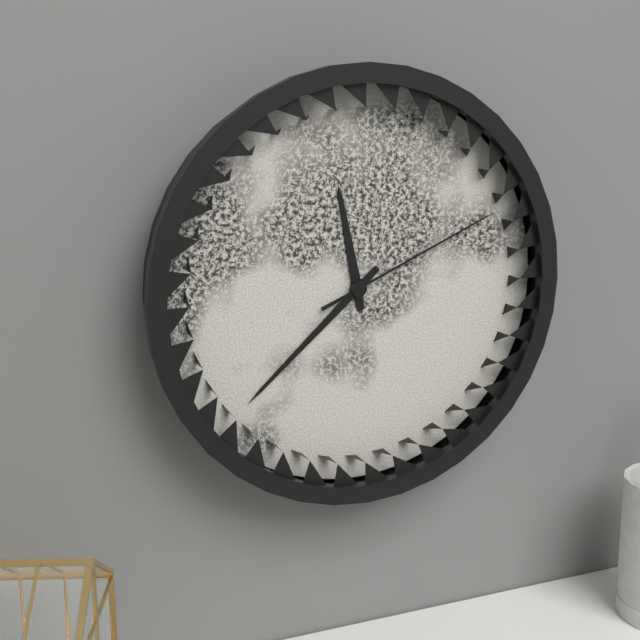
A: 11 h 38 min 11 s
